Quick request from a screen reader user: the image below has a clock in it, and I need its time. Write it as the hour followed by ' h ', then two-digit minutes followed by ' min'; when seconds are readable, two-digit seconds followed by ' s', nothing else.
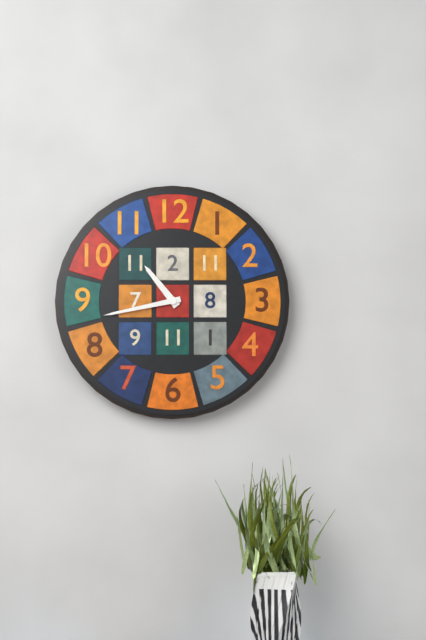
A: 10 h 43 min
